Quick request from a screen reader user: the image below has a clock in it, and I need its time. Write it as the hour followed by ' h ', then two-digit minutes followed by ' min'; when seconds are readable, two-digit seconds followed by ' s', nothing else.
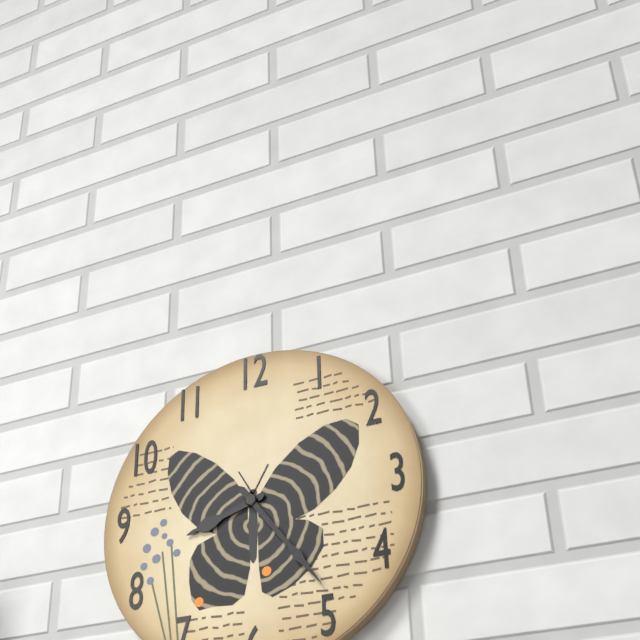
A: 8 h 24 min
